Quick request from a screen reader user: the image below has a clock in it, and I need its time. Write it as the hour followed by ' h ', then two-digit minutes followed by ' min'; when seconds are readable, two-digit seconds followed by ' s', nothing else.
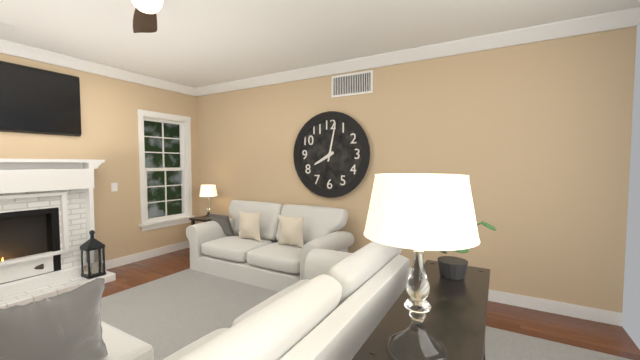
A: 8 h 02 min
